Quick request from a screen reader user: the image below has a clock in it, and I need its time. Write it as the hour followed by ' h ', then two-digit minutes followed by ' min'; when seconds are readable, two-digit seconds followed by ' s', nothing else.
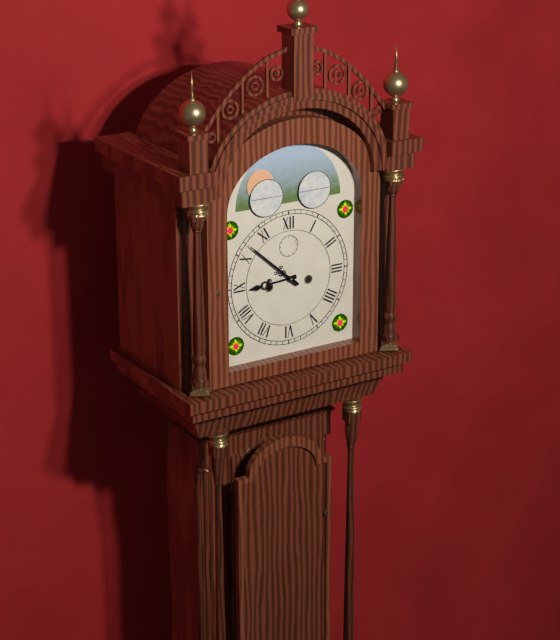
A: 8 h 52 min
